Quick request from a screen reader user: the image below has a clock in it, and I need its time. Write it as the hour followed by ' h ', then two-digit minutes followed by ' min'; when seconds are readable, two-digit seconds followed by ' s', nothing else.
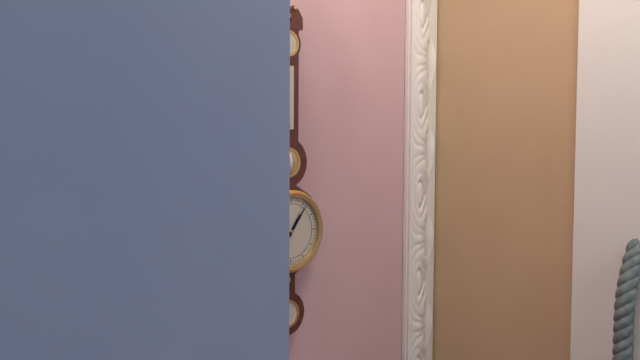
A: 1 h 06 min
